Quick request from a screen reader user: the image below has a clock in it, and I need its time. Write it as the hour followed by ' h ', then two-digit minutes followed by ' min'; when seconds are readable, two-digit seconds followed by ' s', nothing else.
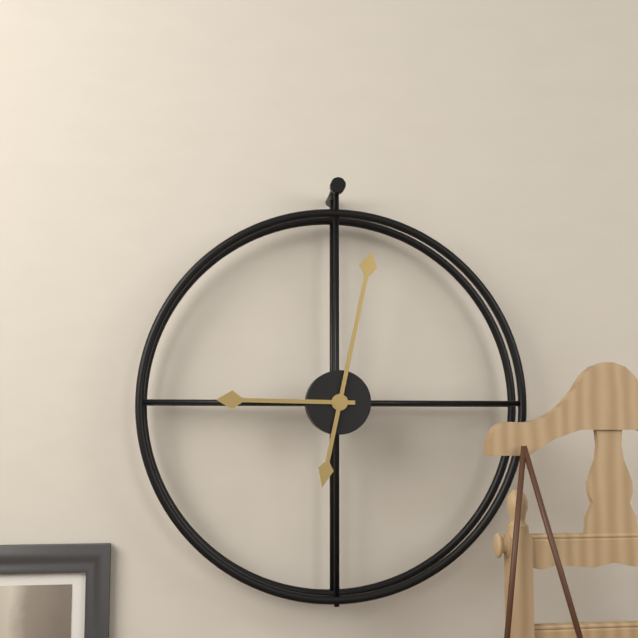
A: 9 h 02 min
